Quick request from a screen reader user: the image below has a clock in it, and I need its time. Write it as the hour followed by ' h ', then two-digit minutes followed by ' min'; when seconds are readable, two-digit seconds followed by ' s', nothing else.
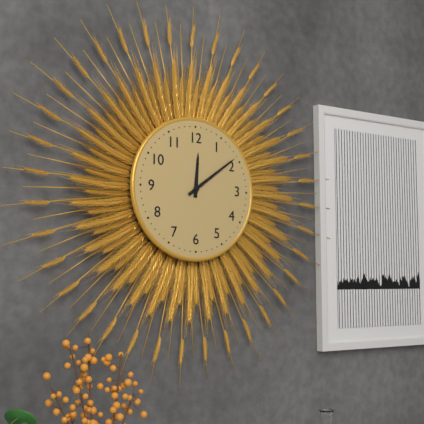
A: 12 h 09 min
